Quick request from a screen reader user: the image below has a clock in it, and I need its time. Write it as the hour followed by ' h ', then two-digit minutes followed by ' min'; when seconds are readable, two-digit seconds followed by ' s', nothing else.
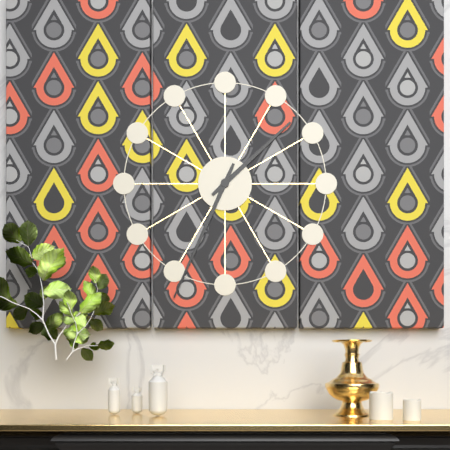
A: 1 h 34 min
